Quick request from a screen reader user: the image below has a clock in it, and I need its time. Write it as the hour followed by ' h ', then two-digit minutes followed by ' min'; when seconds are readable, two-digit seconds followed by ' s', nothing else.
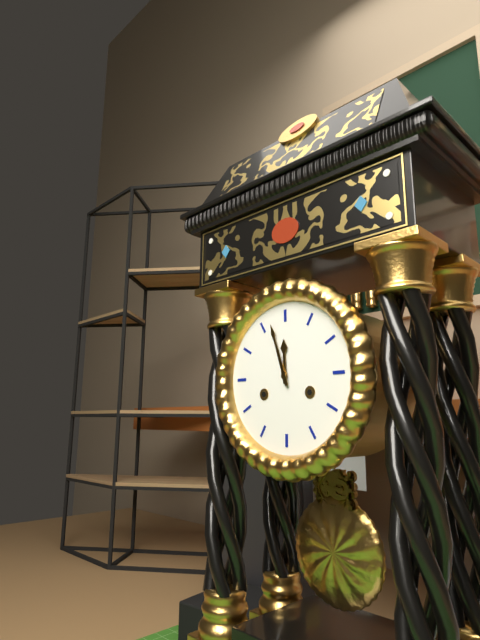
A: 11 h 57 min
